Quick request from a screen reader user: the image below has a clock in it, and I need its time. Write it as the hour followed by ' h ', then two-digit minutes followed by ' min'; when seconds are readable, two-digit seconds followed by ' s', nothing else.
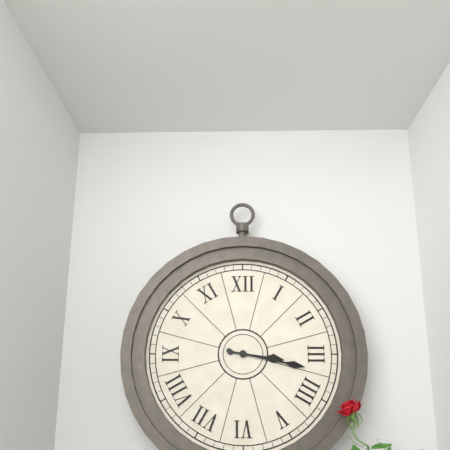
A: 3 h 17 min
